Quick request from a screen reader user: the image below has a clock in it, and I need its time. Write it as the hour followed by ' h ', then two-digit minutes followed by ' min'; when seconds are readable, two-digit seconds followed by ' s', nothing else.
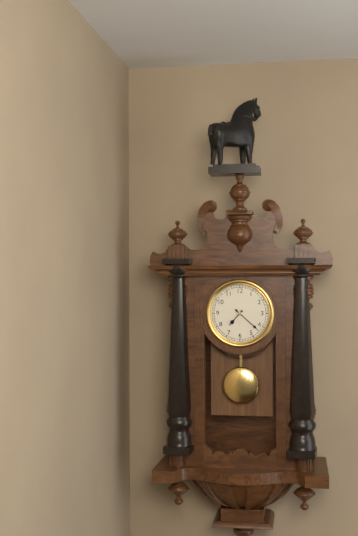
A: 7 h 22 min
